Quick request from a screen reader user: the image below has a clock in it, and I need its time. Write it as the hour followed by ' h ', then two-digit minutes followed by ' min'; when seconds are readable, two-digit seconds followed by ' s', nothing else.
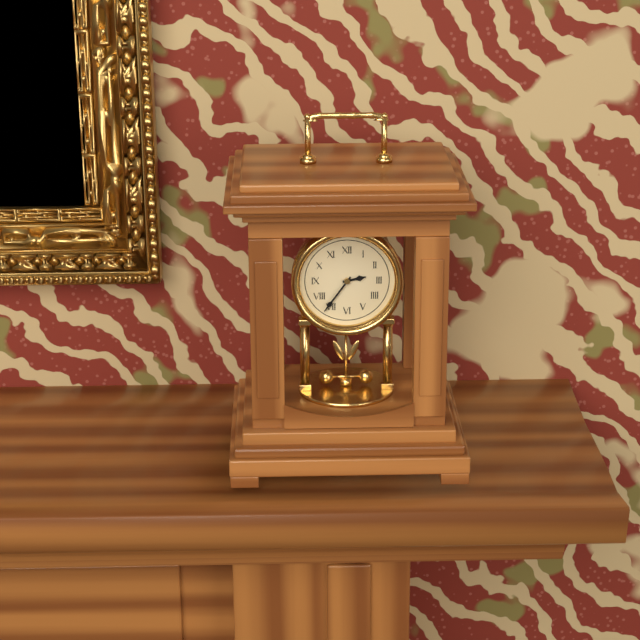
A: 2 h 36 min
